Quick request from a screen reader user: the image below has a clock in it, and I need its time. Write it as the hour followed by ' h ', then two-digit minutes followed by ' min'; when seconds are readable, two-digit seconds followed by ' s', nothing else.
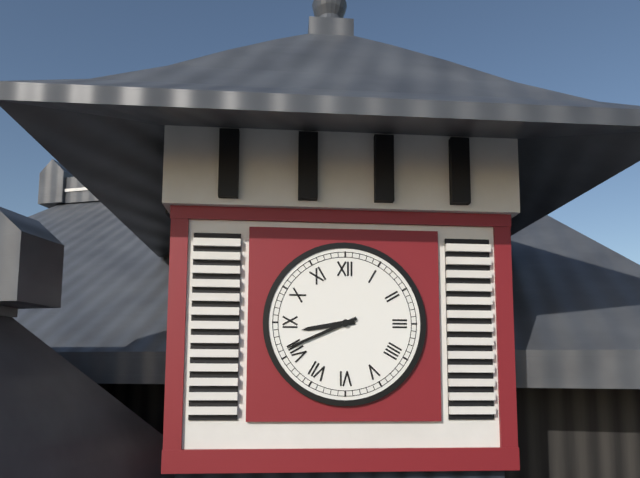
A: 8 h 41 min
